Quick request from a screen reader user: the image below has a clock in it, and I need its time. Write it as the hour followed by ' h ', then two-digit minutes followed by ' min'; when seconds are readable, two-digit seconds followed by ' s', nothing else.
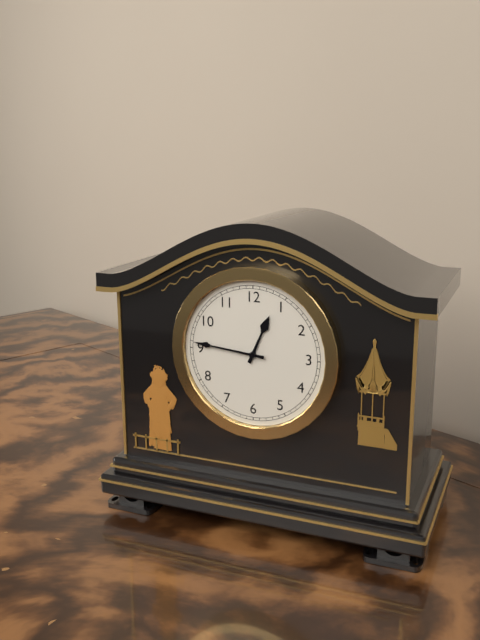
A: 12 h 46 min
